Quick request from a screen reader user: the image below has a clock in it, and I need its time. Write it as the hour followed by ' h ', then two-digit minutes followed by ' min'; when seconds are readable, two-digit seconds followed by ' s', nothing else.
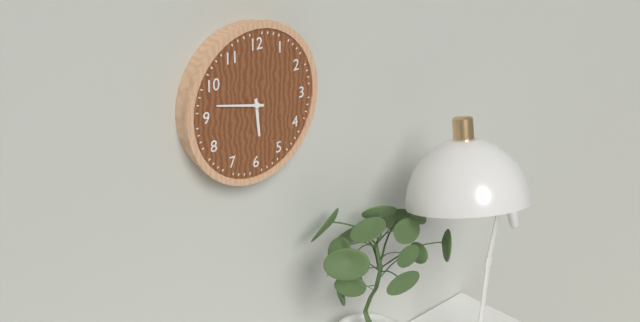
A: 5 h 47 min
